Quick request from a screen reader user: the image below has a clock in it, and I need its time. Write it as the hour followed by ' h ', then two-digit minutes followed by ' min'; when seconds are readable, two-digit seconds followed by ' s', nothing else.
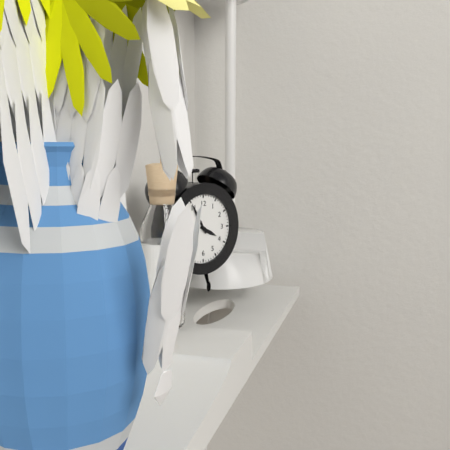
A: 3 h 55 min
